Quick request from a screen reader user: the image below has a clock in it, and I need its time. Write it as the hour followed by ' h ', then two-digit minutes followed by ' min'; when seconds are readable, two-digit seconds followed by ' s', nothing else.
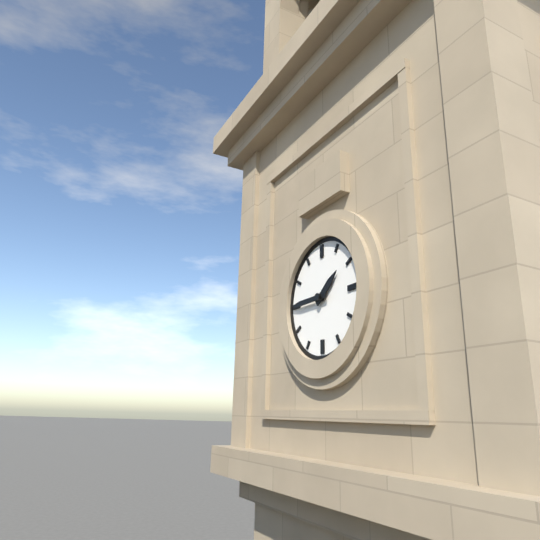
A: 1 h 45 min
